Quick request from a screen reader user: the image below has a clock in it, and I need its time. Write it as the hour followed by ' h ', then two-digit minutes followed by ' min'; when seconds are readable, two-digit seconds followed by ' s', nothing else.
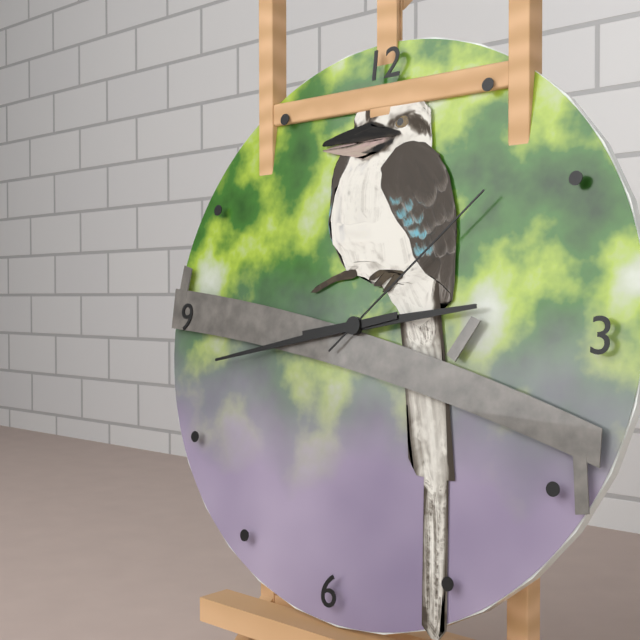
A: 2 h 43 min 08 s
